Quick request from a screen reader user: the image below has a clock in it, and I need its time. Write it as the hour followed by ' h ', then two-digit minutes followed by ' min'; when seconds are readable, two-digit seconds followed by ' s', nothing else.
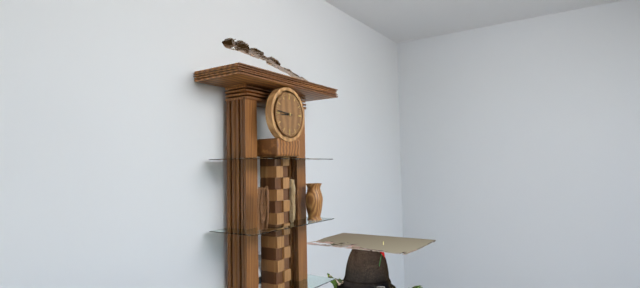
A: 8 h 46 min
